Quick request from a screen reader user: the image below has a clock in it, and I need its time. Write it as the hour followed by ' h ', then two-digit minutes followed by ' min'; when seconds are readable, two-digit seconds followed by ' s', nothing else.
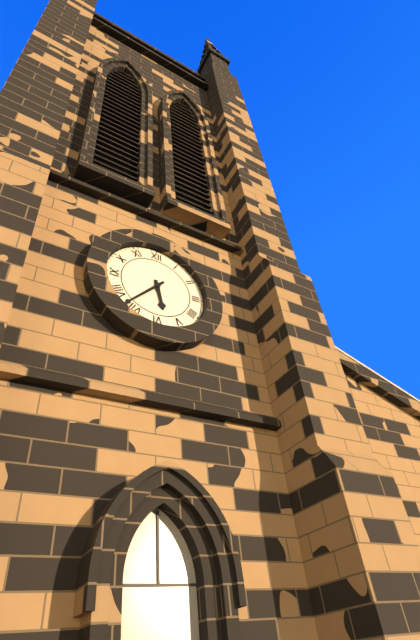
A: 5 h 37 min
